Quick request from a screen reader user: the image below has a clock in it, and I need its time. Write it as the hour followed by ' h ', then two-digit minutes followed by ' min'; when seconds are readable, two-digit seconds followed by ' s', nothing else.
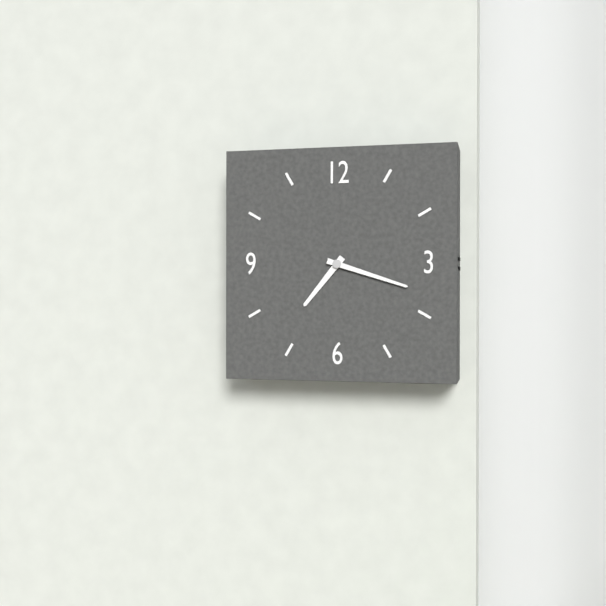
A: 7 h 18 min
